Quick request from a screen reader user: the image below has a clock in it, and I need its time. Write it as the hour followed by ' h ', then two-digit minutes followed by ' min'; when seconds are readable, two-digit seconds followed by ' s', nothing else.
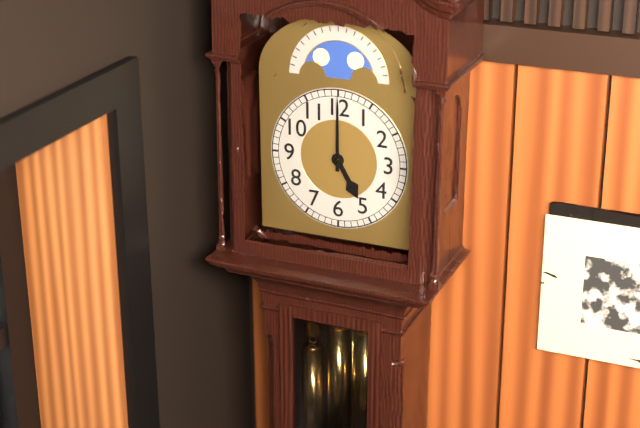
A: 5 h 00 min
